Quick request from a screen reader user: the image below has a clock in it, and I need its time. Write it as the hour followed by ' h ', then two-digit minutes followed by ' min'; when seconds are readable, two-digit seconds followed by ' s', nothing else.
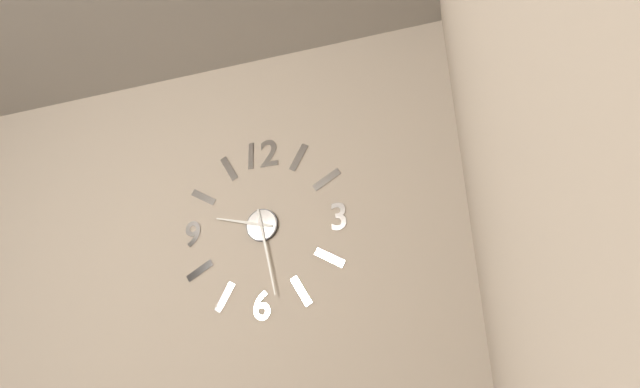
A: 9 h 28 min
